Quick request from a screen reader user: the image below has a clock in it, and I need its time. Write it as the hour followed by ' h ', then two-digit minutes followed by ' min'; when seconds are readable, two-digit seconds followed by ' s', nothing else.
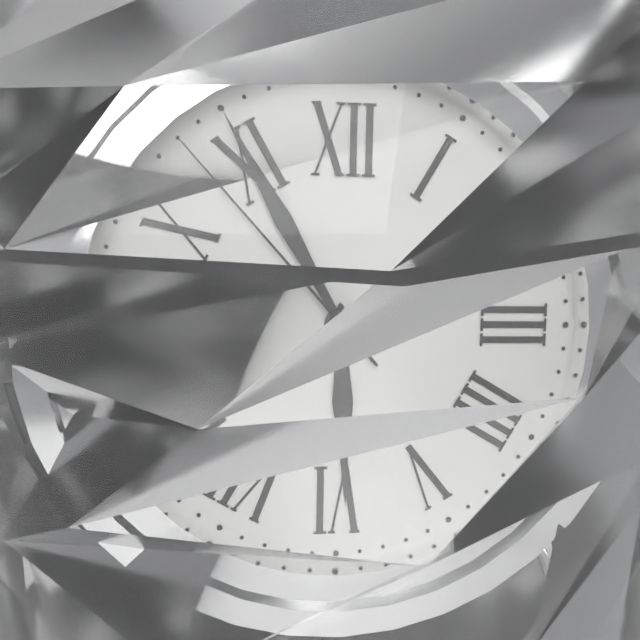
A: 5 h 55 min 53 s
